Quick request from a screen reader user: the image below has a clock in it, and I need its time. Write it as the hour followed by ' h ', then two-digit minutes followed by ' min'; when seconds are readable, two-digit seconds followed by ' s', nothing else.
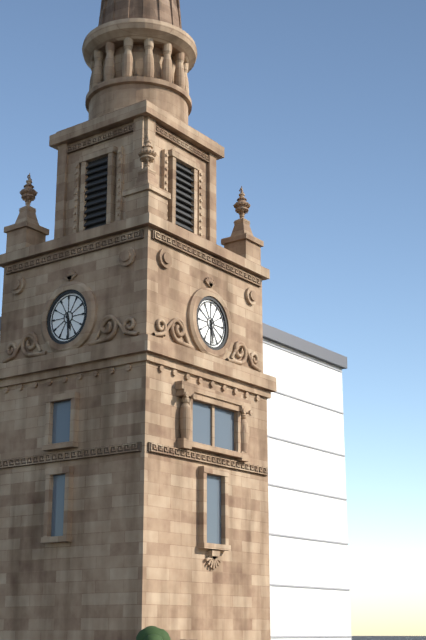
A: 5 h 29 min
